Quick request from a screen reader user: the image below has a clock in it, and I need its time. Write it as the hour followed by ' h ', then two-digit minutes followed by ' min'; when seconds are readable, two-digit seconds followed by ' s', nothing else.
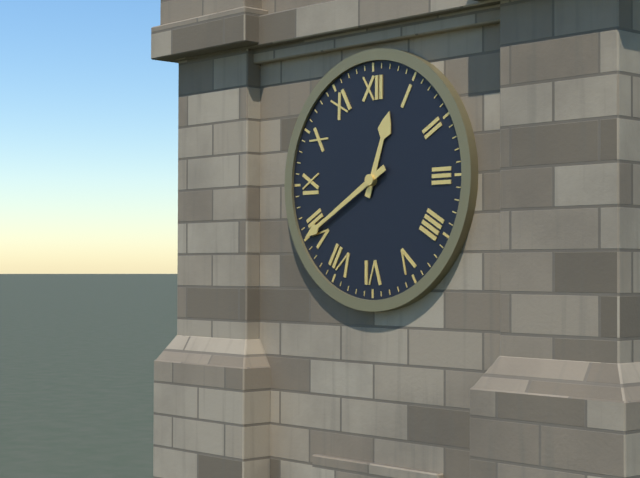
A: 12 h 40 min
